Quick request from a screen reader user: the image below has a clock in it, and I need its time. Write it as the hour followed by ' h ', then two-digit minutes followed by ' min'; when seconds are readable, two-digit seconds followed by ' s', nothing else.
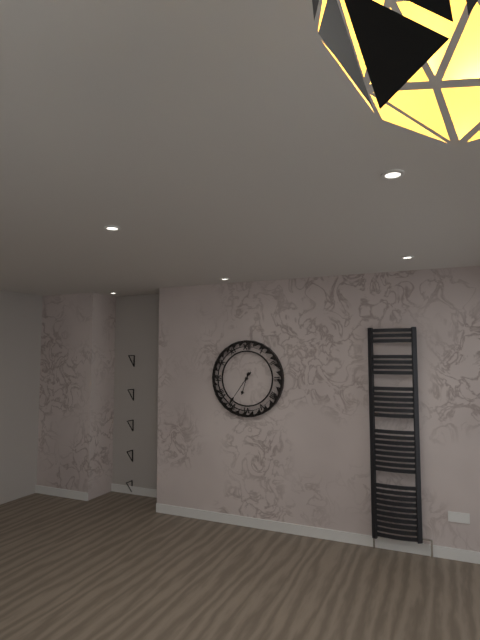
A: 6 h 36 min
